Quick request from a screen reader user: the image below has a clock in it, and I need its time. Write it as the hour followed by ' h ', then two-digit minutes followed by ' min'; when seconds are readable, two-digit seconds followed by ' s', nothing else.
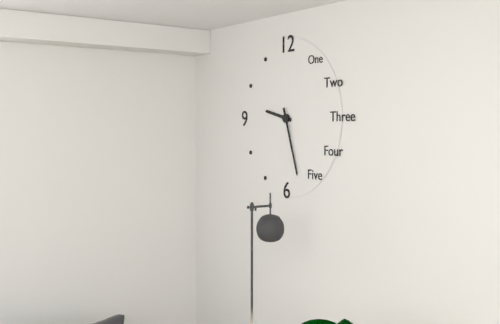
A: 9 h 27 min
